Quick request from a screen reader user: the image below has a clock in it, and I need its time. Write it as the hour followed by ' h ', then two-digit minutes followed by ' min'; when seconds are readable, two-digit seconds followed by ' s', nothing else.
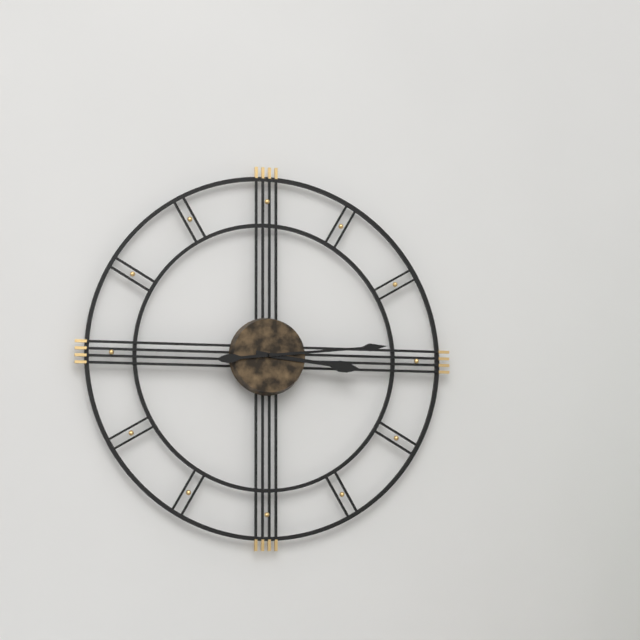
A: 3 h 14 min
